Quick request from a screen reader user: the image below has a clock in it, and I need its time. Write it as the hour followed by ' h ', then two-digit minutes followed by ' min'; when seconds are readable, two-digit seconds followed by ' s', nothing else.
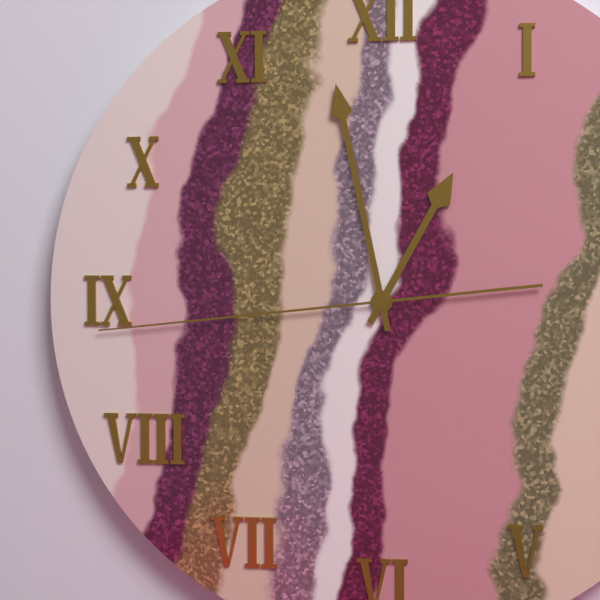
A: 12 h 58 min 44 s
